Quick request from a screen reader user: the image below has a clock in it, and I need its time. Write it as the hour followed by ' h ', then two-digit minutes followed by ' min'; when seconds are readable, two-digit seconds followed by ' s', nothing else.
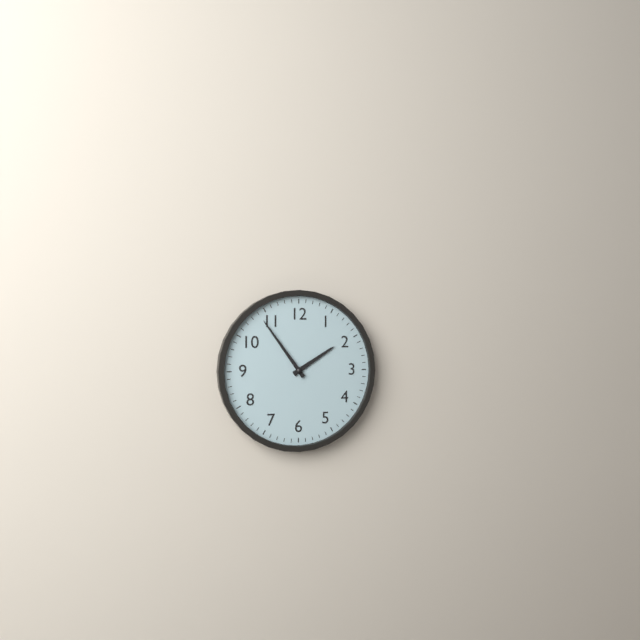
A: 1 h 54 min
